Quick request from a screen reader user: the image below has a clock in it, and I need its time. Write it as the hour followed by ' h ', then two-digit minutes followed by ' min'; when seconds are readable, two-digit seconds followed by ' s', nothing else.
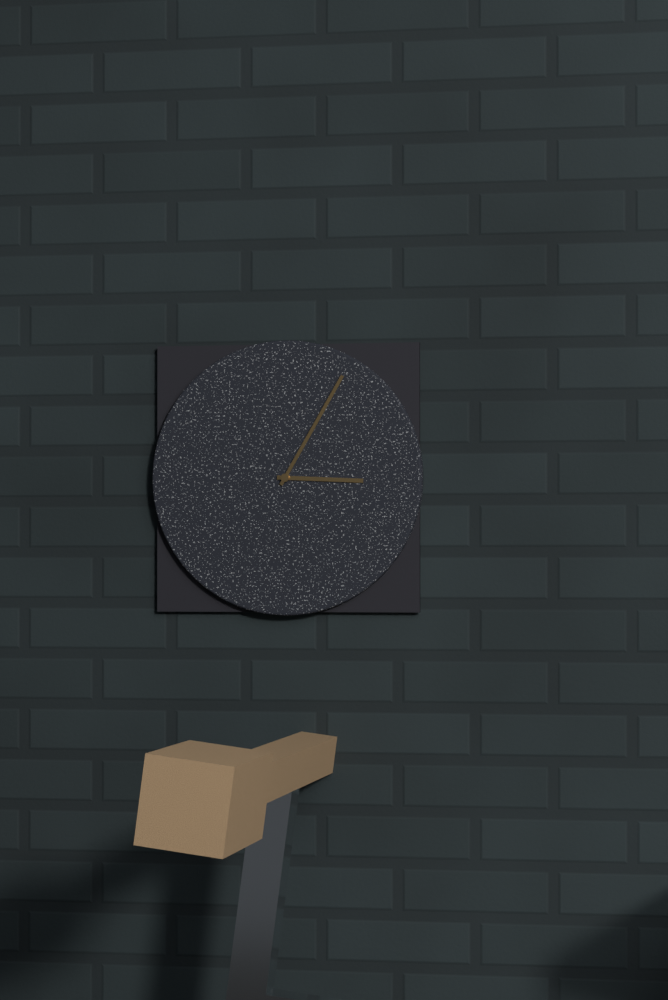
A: 3 h 05 min
